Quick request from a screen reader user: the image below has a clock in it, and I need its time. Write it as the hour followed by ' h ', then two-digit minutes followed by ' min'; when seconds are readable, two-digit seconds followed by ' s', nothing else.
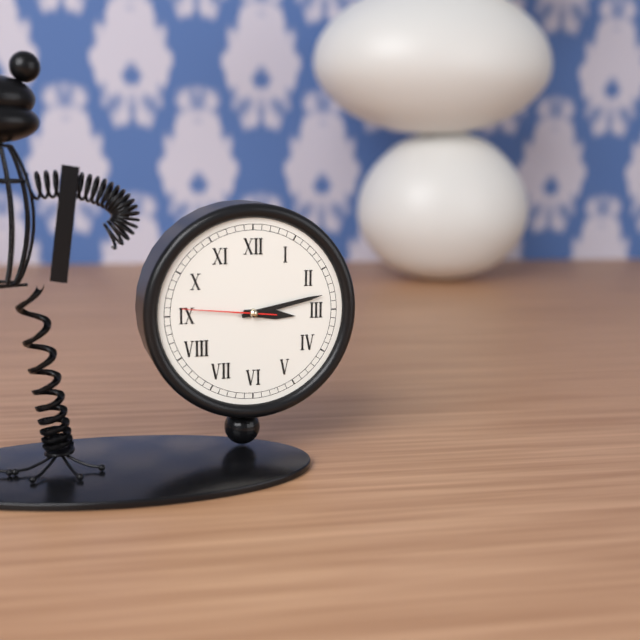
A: 3 h 13 min 46 s
